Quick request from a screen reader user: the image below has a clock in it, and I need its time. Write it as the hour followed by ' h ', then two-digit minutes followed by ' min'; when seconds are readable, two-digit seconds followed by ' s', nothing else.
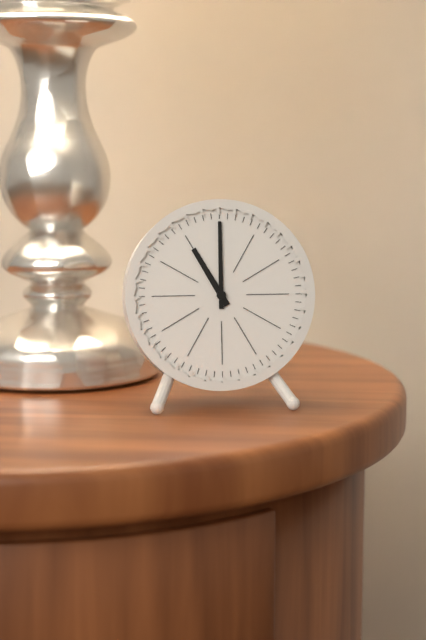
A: 11 h 00 min
